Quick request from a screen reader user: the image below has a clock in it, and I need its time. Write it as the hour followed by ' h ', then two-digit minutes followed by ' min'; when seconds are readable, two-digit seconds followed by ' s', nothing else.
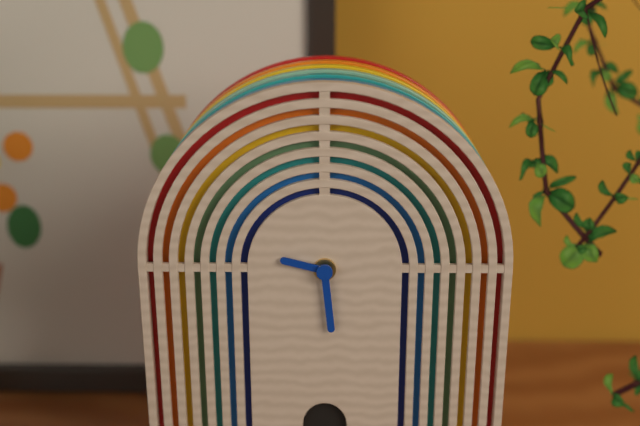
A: 9 h 29 min
